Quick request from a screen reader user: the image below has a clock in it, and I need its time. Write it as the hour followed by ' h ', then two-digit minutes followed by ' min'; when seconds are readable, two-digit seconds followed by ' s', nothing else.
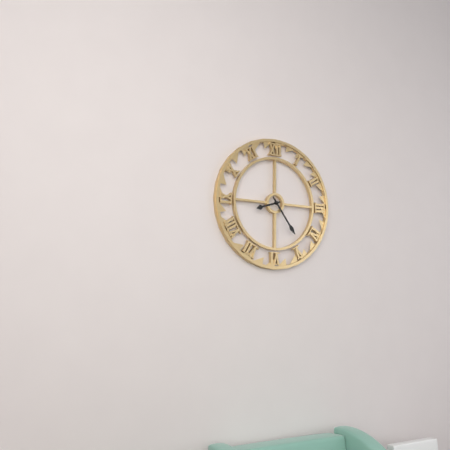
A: 8 h 24 min
